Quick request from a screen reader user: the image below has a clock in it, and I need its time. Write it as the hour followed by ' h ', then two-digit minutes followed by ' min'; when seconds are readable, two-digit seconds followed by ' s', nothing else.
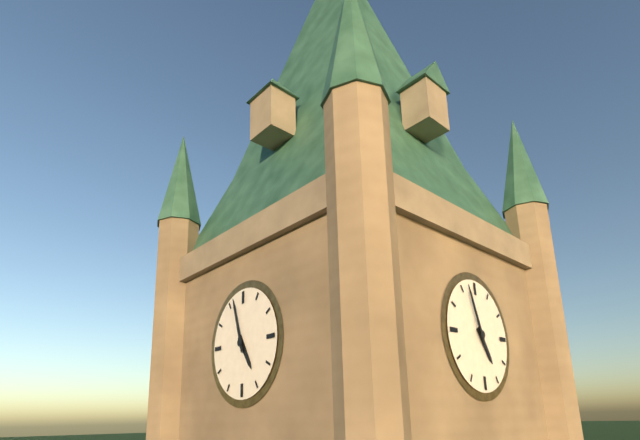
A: 4 h 57 min
